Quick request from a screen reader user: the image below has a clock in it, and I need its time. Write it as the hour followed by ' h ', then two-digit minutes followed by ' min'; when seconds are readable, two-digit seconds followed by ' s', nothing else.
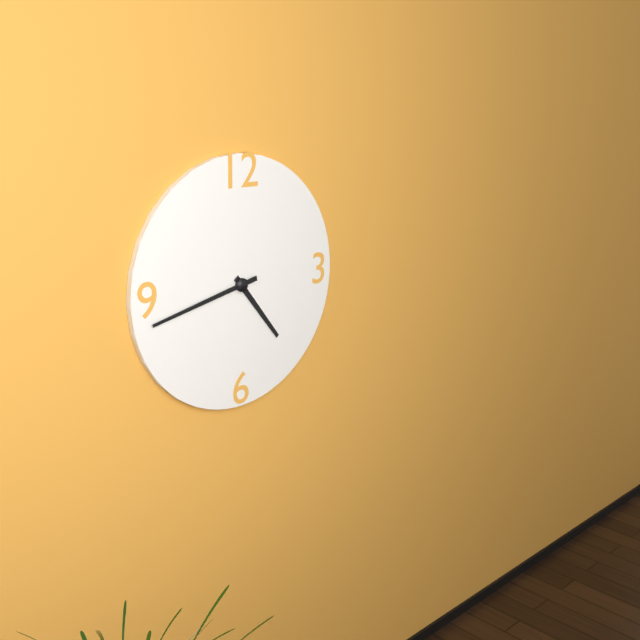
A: 4 h 43 min
